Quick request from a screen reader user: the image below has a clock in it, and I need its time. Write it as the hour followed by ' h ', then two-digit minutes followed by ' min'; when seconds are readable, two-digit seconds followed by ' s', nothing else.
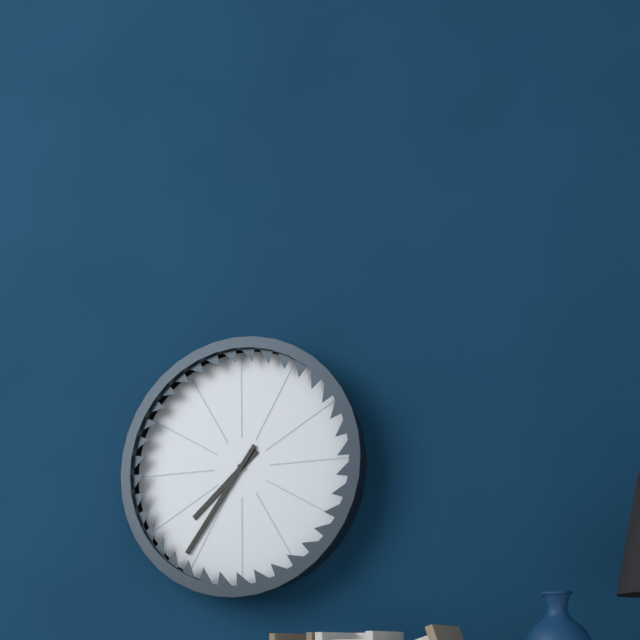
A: 7 h 36 min
